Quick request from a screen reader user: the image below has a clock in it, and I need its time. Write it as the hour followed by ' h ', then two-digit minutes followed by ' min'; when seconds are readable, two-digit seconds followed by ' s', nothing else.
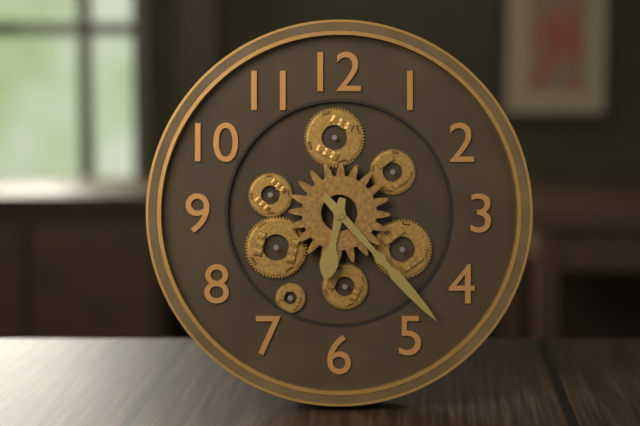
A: 6 h 23 min
